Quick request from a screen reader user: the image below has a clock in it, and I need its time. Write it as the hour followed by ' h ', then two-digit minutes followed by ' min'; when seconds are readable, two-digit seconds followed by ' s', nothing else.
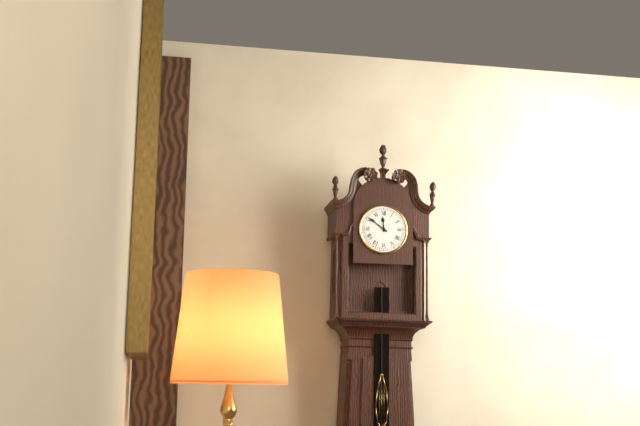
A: 11 h 51 min
